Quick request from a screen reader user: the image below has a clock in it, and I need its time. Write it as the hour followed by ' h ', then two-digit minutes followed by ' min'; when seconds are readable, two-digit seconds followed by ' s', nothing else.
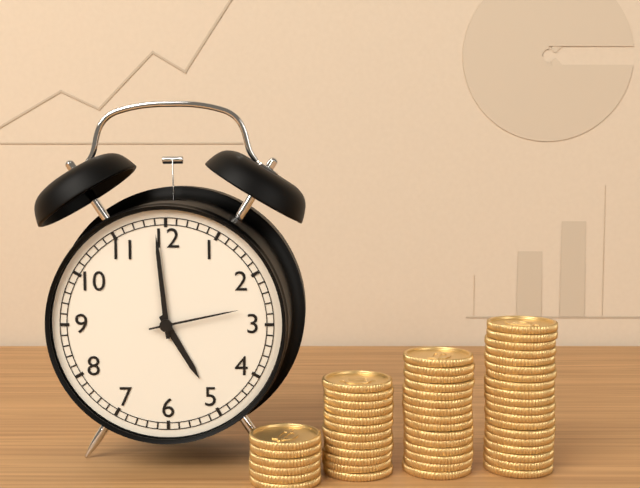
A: 4 h 59 min 13 s
